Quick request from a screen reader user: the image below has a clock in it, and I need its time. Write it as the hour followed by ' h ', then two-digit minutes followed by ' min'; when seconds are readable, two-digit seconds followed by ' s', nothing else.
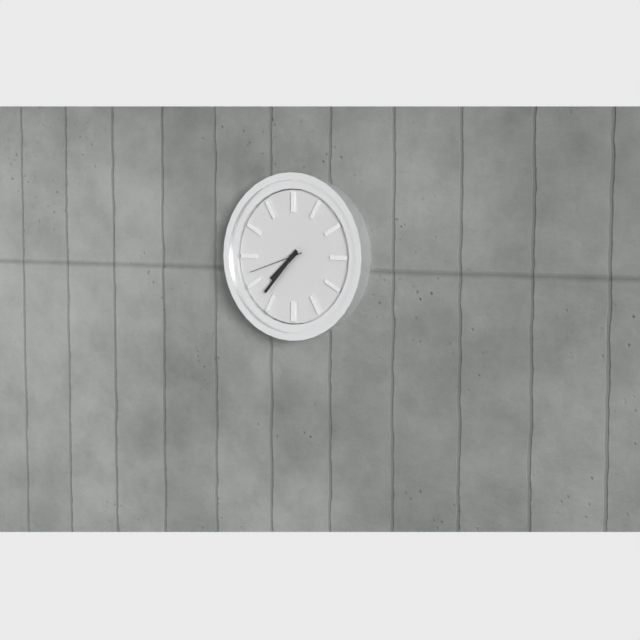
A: 7 h 37 min 42 s
